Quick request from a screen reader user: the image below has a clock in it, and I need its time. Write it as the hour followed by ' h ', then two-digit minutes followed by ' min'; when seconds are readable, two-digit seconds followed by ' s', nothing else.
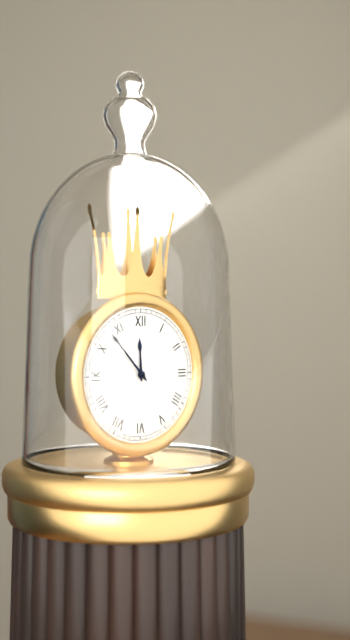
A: 11 h 53 min
